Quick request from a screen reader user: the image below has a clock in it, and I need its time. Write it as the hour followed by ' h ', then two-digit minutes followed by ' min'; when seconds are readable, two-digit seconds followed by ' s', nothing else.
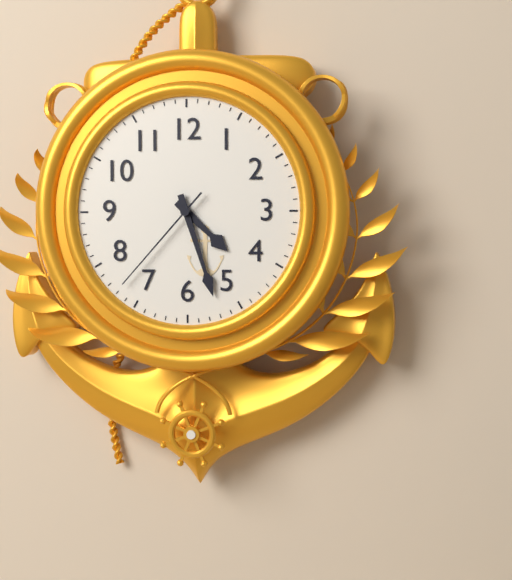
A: 4 h 27 min 37 s
